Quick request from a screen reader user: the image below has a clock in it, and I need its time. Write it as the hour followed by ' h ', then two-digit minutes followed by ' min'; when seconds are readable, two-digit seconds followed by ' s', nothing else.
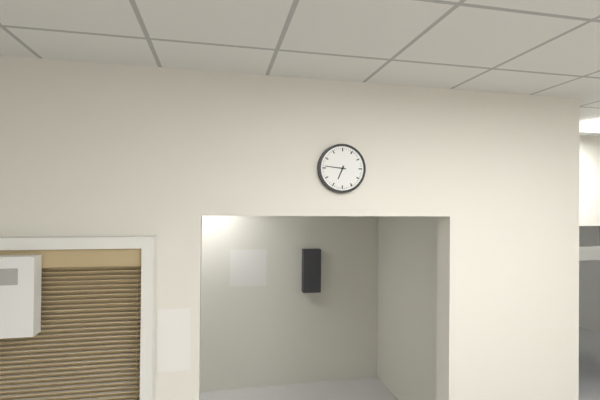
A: 6 h 46 min
